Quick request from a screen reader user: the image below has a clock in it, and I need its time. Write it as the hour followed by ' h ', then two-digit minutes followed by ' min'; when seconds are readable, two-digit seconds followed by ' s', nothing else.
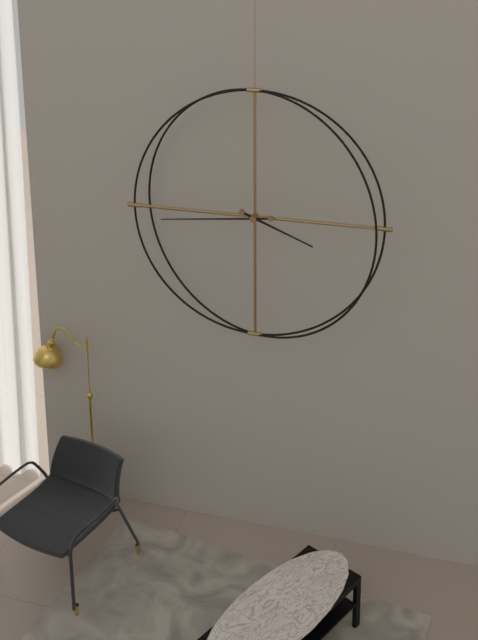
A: 3 h 44 min
